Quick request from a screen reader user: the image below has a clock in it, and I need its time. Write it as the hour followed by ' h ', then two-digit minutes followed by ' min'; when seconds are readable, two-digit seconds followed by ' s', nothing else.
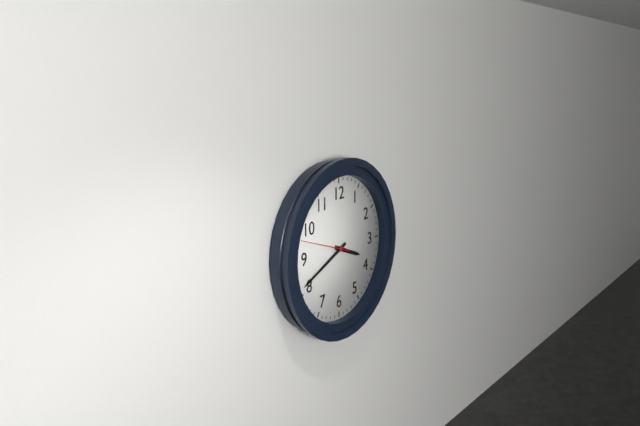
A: 3 h 41 min 48 s
